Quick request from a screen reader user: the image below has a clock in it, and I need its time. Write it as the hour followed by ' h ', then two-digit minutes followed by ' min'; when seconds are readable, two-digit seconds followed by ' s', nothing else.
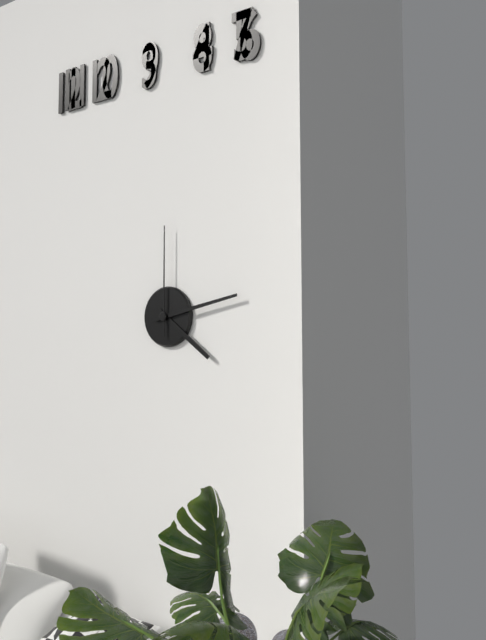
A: 4 h 13 min 00 s
